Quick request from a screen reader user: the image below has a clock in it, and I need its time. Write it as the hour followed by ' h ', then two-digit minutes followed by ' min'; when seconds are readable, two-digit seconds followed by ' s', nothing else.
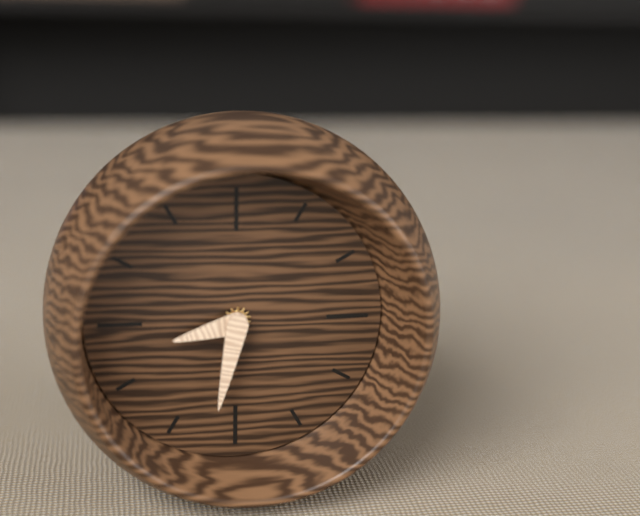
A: 8 h 32 min
